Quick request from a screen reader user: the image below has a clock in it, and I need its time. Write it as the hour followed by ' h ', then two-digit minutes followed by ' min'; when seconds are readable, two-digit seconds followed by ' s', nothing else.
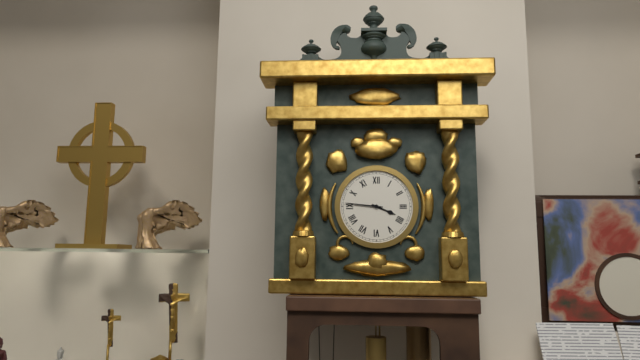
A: 3 h 46 min
